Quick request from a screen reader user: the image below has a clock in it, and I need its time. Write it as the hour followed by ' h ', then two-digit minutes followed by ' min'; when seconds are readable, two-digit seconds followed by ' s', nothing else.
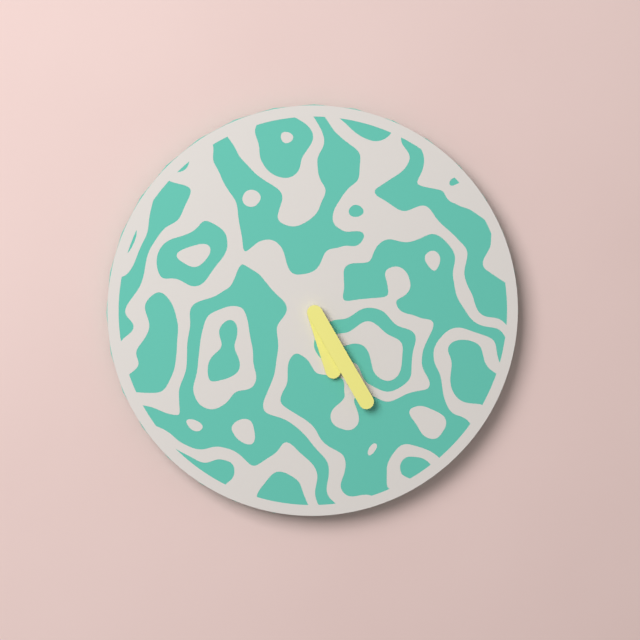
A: 5 h 25 min
